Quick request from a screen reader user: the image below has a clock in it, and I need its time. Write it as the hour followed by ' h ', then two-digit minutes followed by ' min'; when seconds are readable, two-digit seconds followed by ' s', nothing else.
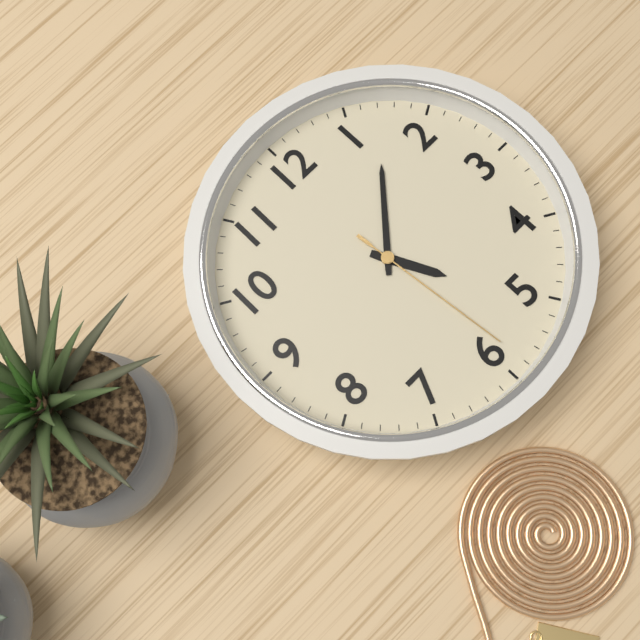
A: 5 h 07 min 29 s
